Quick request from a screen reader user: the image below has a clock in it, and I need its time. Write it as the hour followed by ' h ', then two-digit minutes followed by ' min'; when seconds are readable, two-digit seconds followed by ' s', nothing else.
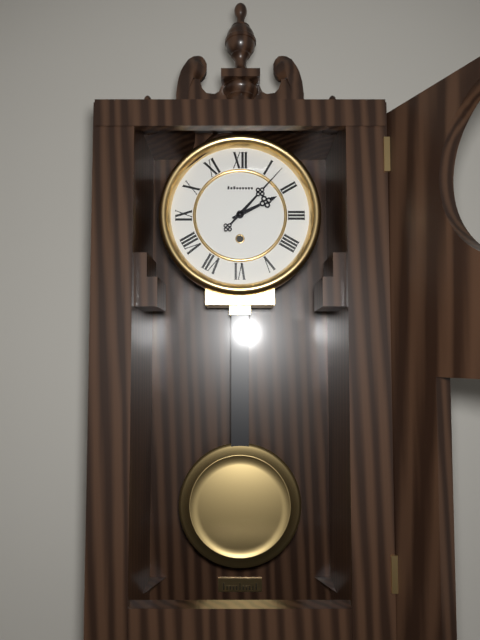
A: 2 h 07 min
